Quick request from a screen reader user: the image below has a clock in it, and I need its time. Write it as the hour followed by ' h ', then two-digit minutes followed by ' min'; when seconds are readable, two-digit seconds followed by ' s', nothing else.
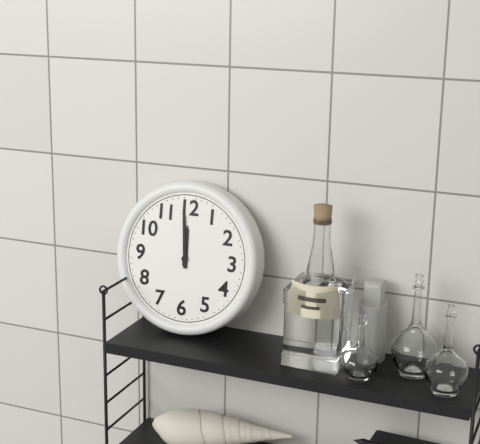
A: 11 h 59 min
